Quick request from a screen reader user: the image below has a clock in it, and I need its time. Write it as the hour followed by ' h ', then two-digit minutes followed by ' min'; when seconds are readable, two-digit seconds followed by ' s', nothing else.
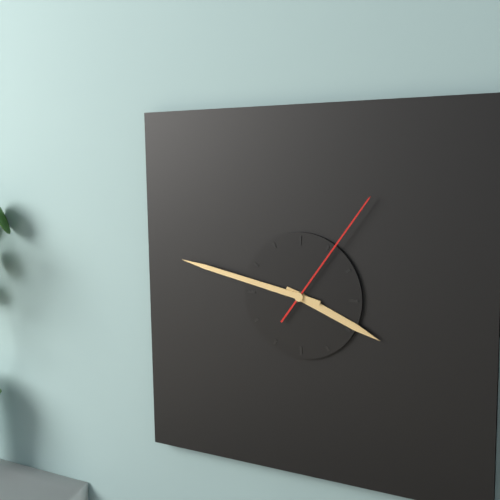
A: 3 h 47 min 06 s
